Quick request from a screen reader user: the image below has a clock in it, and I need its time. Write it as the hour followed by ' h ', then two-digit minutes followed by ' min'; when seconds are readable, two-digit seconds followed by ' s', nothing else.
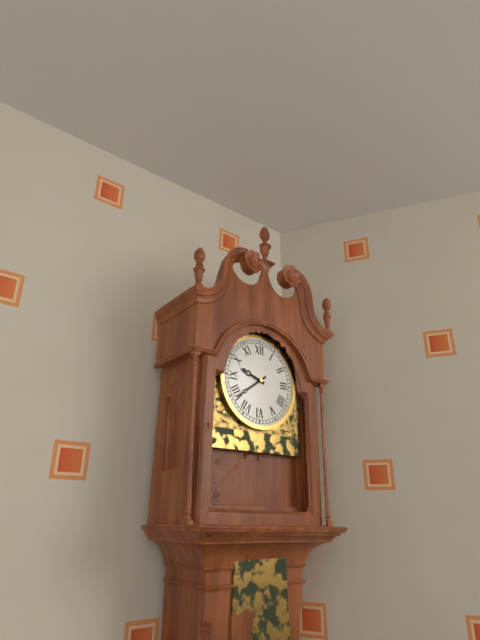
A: 9 h 39 min
